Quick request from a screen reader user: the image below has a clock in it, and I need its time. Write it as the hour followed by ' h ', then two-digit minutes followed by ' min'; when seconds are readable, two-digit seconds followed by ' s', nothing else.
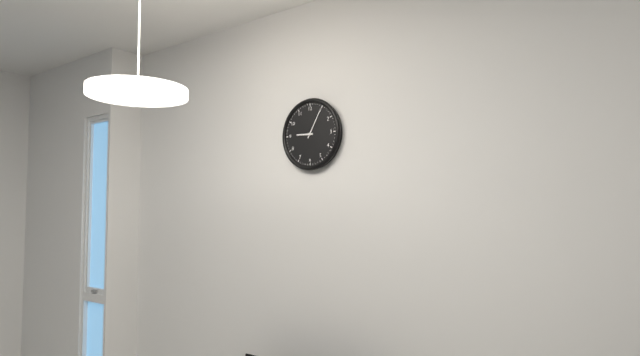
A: 9 h 05 min
